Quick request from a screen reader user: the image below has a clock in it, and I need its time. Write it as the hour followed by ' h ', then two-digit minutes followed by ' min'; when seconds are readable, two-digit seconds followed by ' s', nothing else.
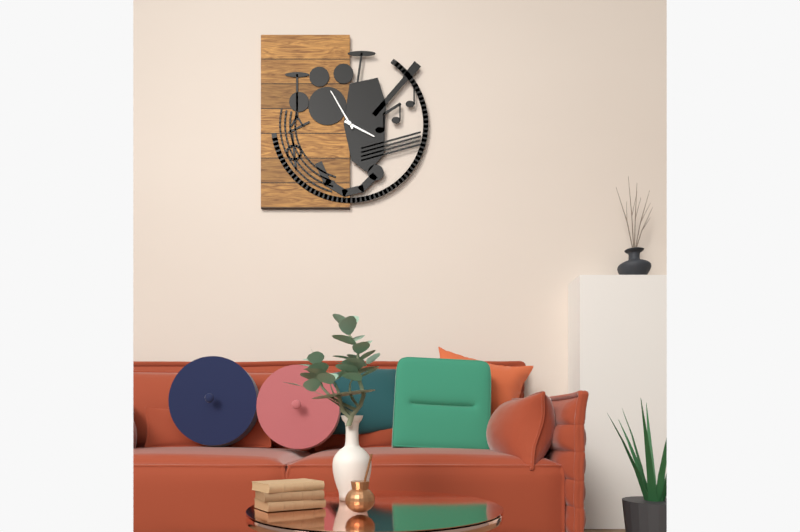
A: 3 h 55 min
